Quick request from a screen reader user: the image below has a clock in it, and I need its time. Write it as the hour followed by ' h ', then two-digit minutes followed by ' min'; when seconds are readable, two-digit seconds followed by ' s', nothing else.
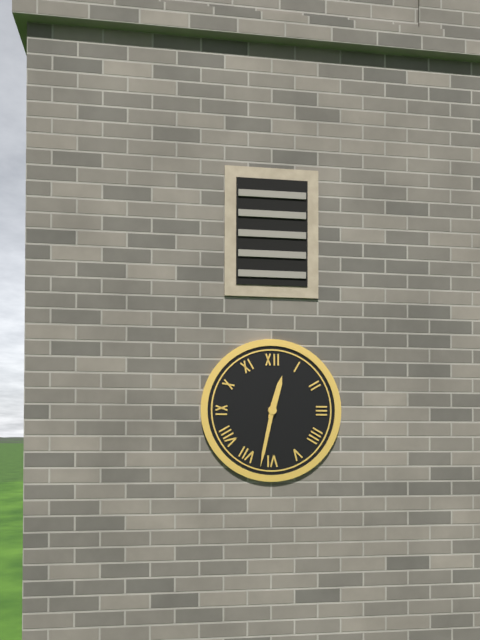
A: 12 h 32 min
